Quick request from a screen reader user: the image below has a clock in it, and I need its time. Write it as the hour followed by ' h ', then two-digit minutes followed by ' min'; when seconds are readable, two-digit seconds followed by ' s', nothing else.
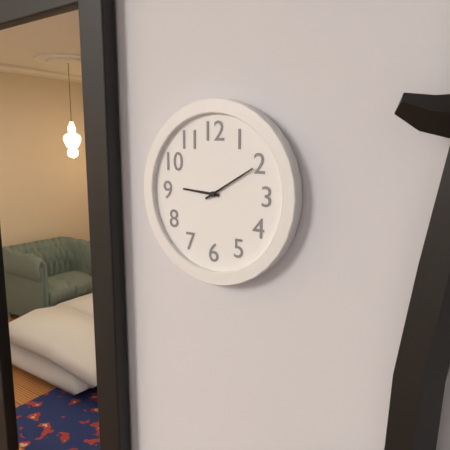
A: 9 h 10 min
